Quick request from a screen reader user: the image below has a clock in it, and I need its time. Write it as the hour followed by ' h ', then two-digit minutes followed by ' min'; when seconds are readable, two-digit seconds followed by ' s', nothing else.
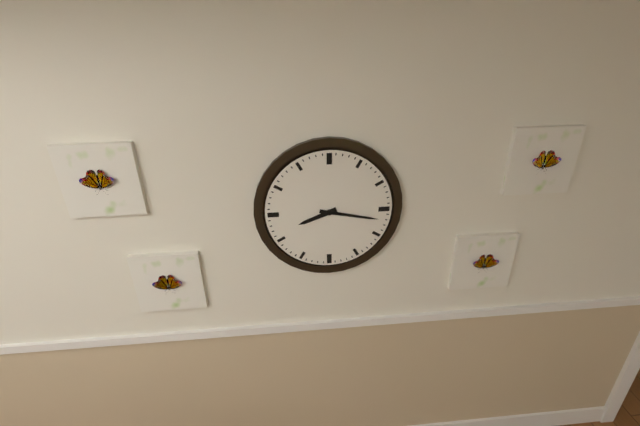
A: 8 h 17 min
